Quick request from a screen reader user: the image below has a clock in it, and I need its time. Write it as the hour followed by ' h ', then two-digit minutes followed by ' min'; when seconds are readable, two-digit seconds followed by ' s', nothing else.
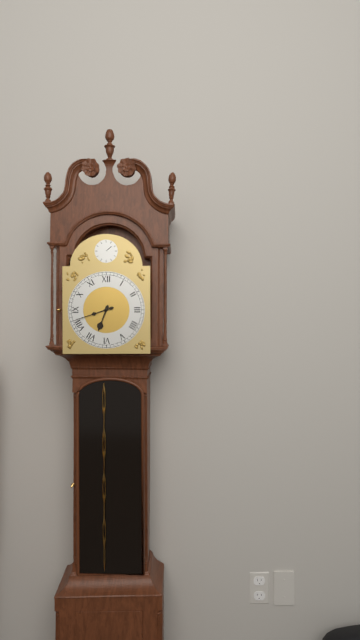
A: 6 h 42 min
